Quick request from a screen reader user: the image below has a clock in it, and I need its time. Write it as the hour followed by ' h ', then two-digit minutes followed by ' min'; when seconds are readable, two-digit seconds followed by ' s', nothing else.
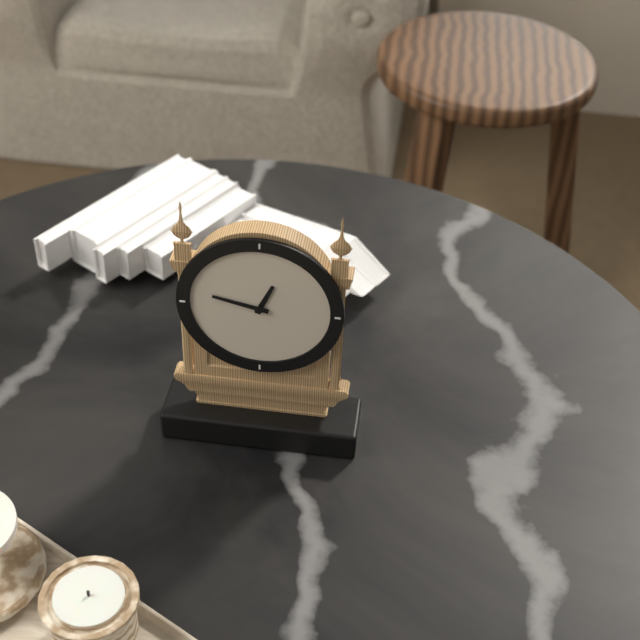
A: 12 h 47 min
